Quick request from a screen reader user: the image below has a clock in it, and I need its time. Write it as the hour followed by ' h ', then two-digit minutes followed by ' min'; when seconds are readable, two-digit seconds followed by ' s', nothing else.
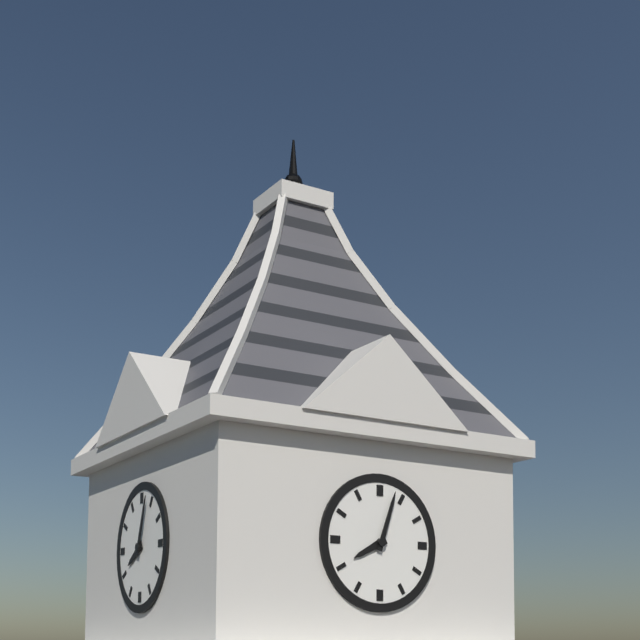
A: 8 h 03 min
